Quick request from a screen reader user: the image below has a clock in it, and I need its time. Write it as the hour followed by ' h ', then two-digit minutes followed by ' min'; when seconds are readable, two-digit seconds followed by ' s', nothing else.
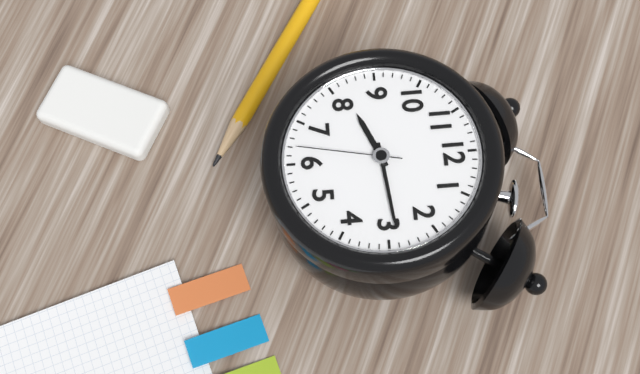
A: 8 h 14 min 32 s
